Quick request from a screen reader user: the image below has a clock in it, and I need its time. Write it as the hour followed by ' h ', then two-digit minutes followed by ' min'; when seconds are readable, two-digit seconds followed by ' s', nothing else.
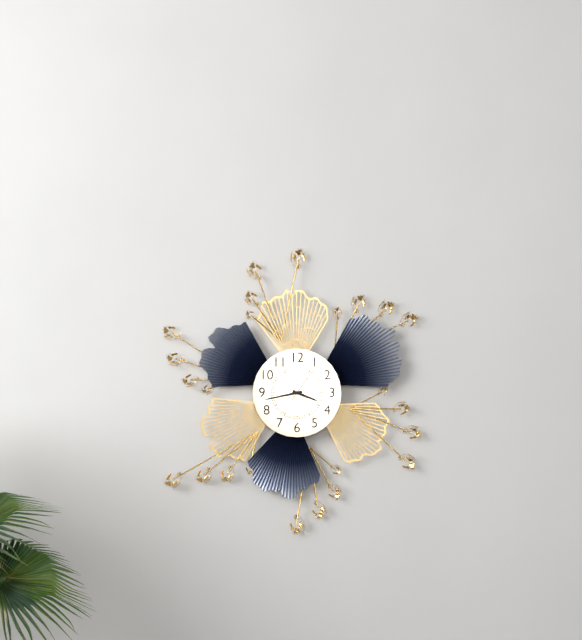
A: 3 h 43 min
